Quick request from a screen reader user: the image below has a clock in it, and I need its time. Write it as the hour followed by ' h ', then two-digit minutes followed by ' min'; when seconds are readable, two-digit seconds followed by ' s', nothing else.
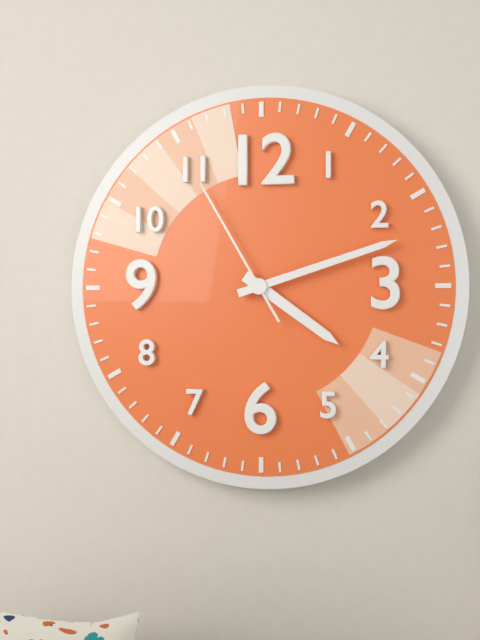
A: 4 h 12 min 55 s
